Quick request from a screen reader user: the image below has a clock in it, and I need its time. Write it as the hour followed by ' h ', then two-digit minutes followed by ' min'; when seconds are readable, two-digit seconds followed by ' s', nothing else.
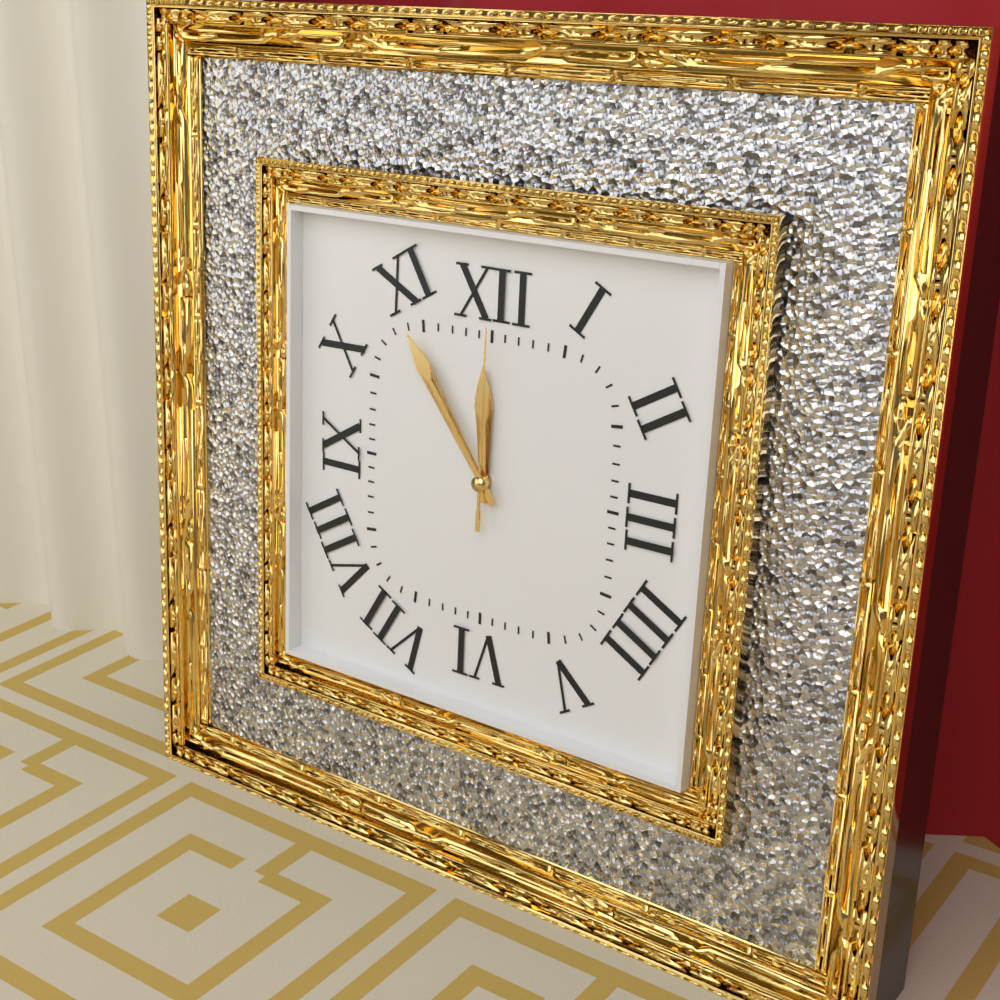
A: 11 h 54 min 00 s
